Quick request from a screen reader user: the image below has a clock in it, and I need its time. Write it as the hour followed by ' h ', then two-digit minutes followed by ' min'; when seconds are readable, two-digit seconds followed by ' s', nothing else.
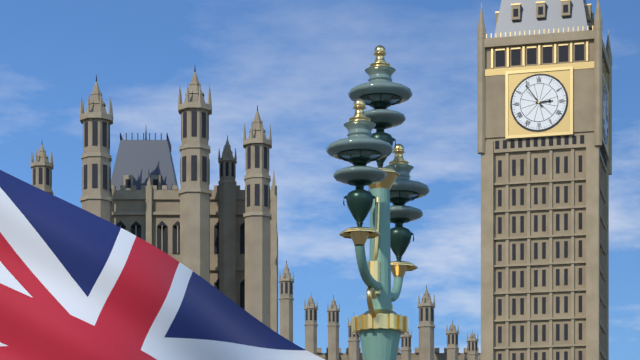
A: 2 h 54 min
